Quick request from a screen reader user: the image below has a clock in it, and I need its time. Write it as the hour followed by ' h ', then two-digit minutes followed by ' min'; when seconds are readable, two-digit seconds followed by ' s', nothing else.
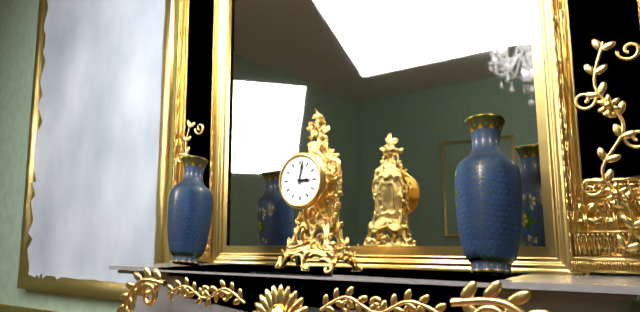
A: 3 h 02 min
